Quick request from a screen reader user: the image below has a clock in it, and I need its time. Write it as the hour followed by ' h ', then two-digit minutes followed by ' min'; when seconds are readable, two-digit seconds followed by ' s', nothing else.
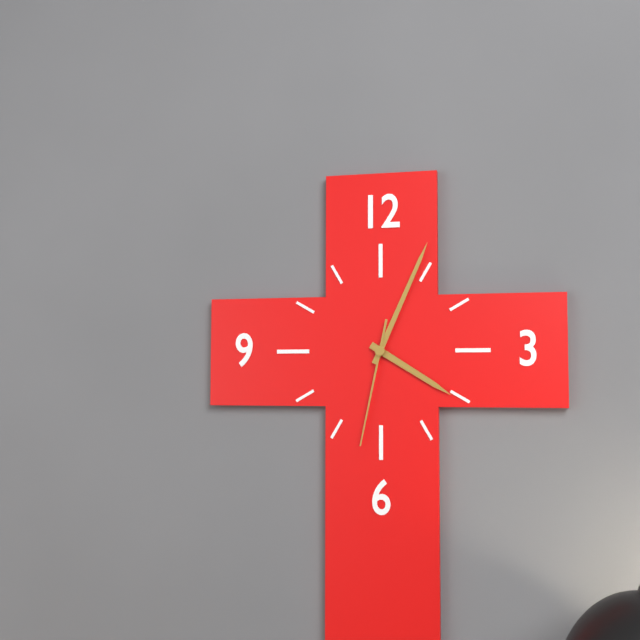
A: 4 h 04 min 32 s
